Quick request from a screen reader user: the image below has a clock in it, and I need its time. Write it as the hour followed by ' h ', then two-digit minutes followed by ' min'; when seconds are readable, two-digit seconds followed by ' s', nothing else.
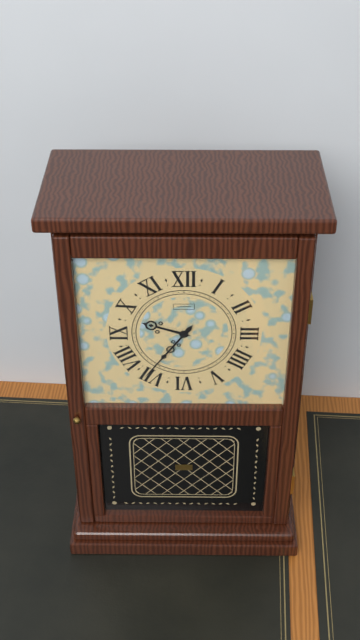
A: 9 h 36 min
